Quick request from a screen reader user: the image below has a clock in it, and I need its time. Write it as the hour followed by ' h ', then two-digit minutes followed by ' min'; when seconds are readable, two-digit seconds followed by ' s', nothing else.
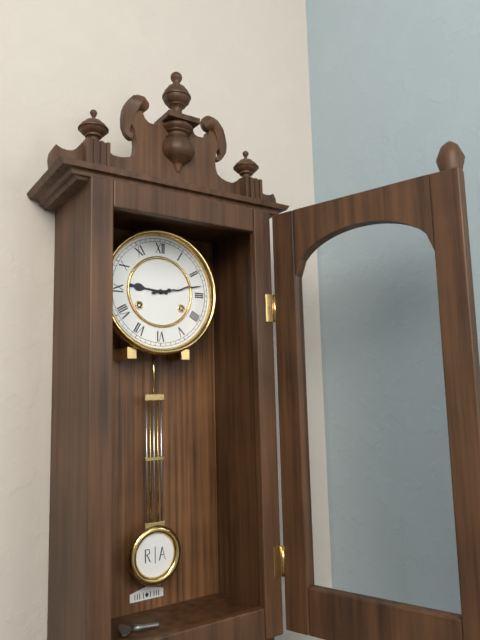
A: 9 h 13 min
